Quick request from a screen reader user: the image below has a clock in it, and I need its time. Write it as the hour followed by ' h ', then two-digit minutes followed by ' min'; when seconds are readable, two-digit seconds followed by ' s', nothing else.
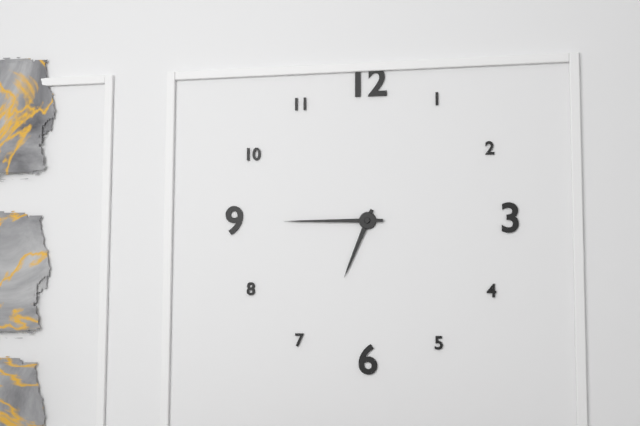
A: 6 h 45 min
